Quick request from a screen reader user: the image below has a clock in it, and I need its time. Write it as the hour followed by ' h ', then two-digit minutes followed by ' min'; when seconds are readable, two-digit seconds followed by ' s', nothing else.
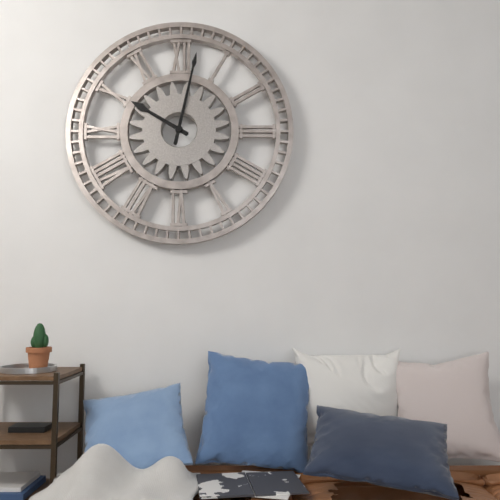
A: 10 h 02 min
